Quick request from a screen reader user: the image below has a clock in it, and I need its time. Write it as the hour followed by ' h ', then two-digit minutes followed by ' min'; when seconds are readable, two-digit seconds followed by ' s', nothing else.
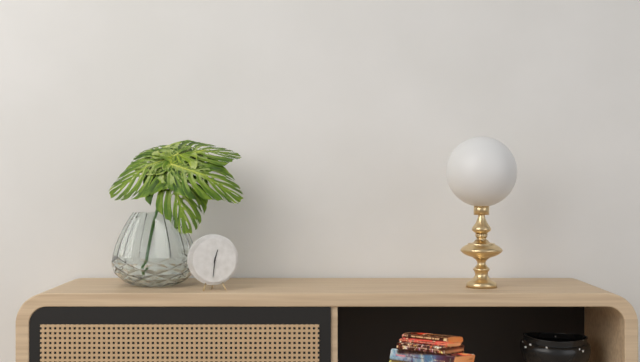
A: 12 h 31 min
